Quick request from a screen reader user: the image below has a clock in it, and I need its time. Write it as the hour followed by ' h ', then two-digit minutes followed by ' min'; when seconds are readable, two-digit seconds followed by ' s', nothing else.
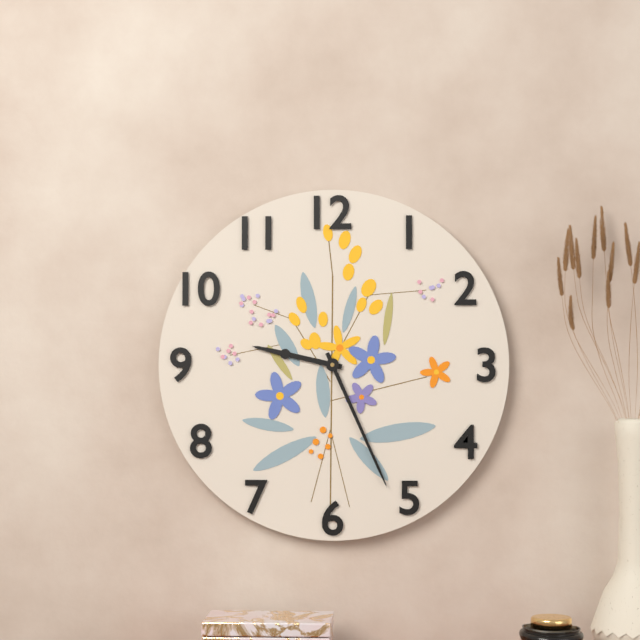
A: 9 h 26 min
